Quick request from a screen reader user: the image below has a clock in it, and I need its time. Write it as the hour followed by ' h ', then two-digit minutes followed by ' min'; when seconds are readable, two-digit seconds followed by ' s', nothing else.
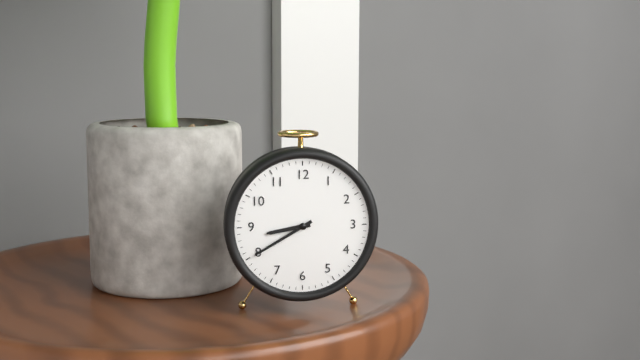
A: 8 h 40 min
